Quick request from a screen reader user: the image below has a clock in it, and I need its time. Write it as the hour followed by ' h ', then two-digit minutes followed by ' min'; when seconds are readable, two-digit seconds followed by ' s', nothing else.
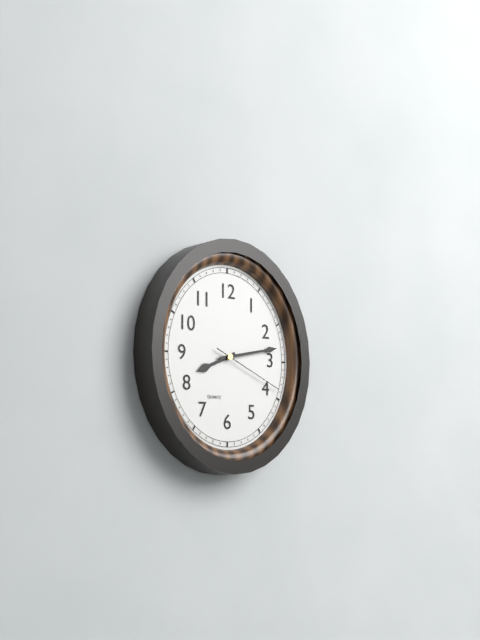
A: 8 h 13 min 19 s
